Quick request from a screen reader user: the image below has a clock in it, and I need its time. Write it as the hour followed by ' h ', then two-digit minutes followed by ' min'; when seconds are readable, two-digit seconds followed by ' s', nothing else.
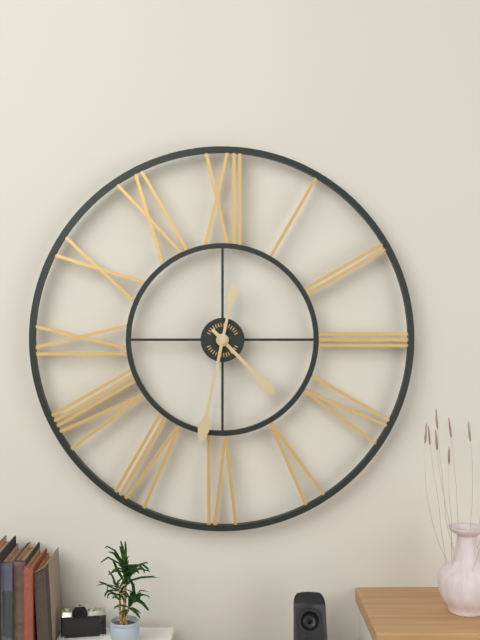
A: 4 h 32 min
